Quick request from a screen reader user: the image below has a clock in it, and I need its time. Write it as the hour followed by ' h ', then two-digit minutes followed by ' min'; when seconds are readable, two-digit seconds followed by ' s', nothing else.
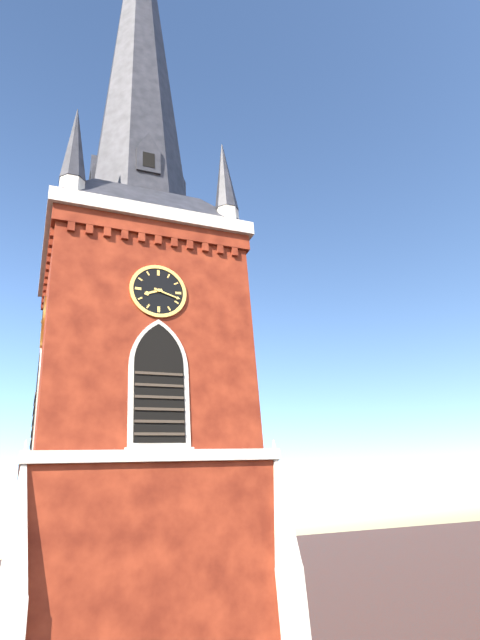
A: 8 h 18 min
